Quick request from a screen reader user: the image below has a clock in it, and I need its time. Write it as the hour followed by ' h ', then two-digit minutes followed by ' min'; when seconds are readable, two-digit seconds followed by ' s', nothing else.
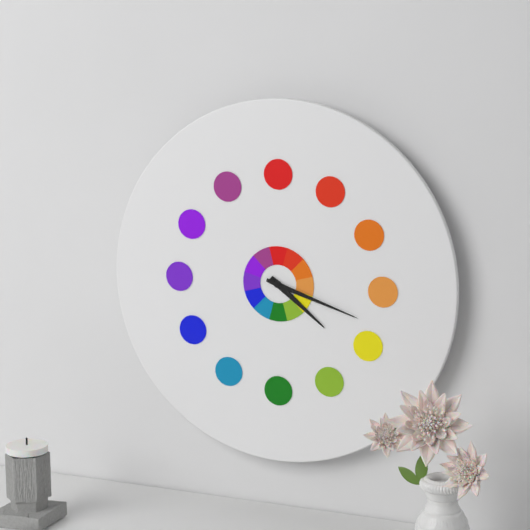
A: 4 h 18 min
